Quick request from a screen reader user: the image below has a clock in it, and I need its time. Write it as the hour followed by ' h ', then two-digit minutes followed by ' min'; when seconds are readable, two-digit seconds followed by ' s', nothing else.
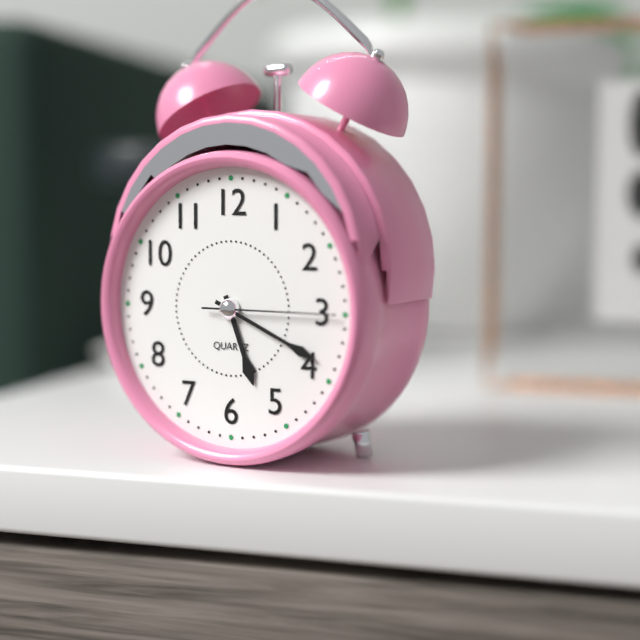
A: 5 h 19 min 15 s
